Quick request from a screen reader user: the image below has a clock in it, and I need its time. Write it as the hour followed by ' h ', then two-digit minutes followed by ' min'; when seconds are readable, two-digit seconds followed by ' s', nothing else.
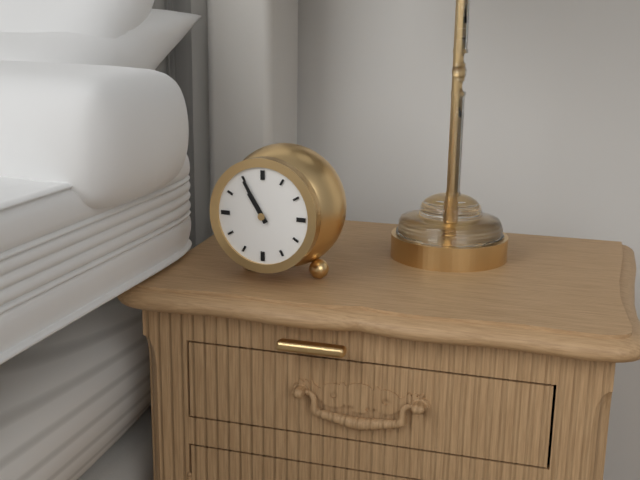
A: 10 h 55 min
